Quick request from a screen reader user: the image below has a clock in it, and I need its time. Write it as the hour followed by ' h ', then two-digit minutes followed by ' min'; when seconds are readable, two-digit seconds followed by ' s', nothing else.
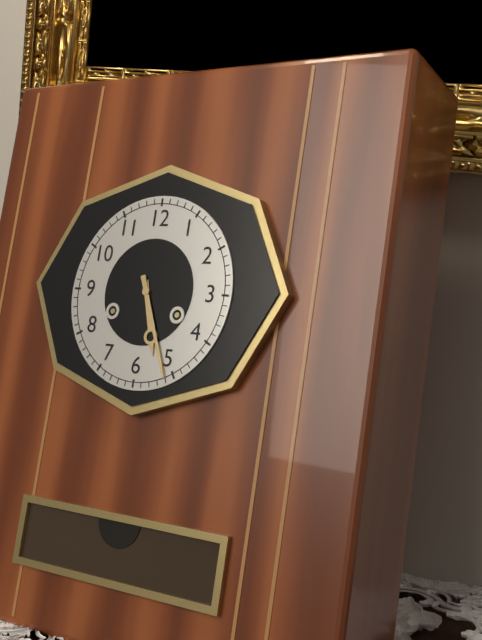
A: 5 h 26 min
